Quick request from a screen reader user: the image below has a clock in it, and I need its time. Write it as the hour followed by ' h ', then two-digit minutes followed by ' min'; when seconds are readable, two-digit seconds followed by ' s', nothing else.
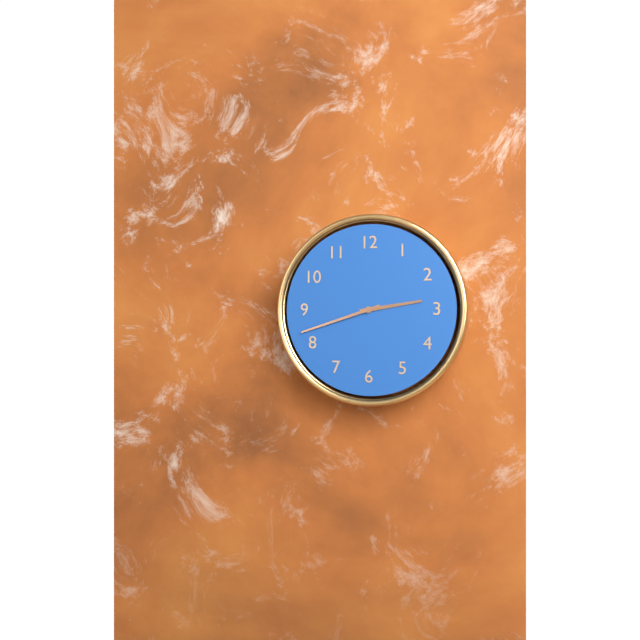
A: 2 h 42 min
